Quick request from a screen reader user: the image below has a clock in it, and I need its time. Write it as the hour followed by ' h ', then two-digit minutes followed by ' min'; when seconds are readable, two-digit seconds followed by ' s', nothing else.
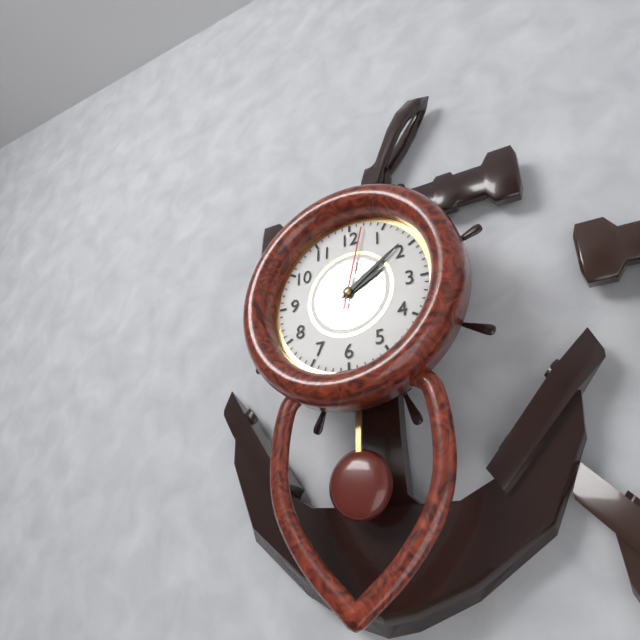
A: 2 h 09 min 02 s
